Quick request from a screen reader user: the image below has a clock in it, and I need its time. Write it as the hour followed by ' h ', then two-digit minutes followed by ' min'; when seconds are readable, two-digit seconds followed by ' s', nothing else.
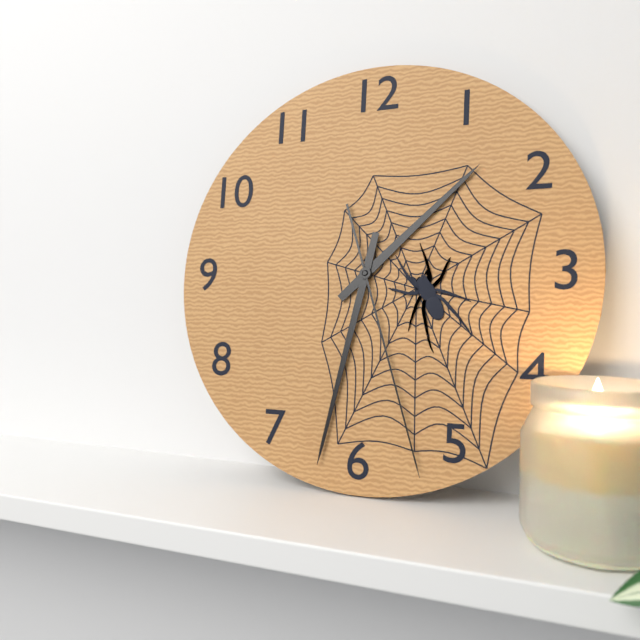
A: 1 h 32 min 27 s
